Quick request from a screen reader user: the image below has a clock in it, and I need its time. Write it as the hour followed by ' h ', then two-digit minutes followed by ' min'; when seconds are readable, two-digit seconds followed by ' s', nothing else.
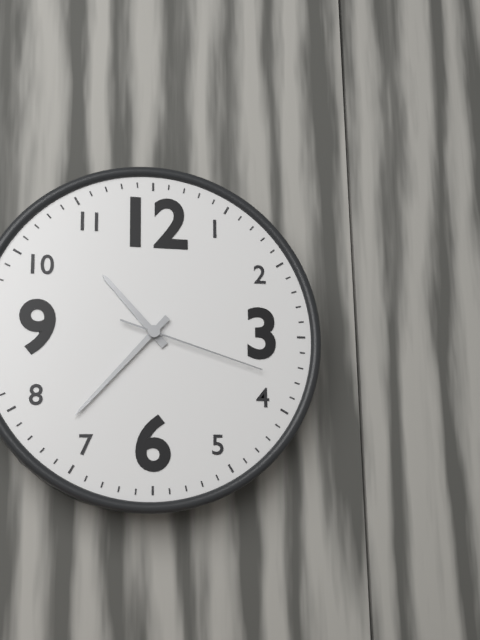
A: 10 h 37 min 18 s
